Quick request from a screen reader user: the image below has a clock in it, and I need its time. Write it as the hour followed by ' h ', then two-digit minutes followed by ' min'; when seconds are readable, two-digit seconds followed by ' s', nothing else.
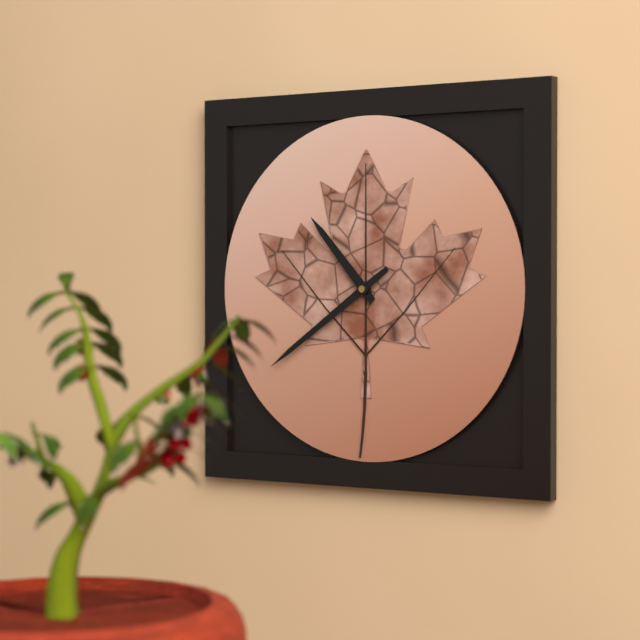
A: 10 h 39 min
